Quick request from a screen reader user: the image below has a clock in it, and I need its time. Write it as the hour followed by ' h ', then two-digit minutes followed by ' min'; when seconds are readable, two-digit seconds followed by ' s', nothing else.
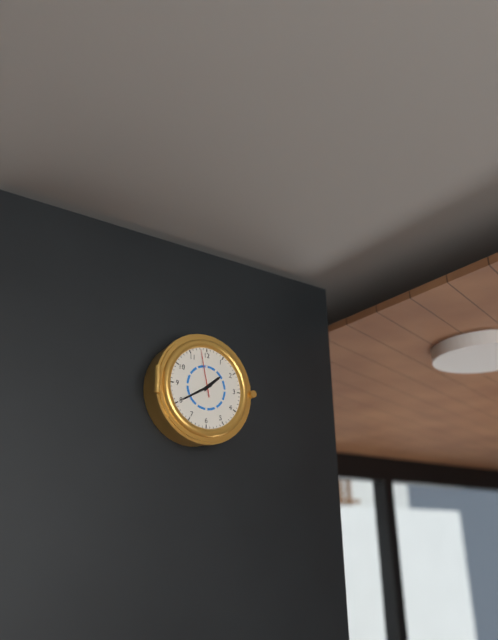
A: 1 h 40 min
